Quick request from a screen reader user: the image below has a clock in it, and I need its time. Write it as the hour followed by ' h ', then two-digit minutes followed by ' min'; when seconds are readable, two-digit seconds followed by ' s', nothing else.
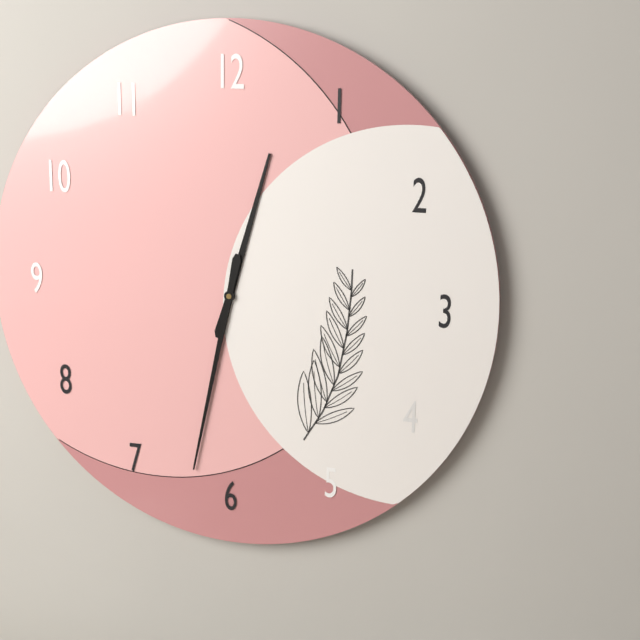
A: 12 h 32 min
